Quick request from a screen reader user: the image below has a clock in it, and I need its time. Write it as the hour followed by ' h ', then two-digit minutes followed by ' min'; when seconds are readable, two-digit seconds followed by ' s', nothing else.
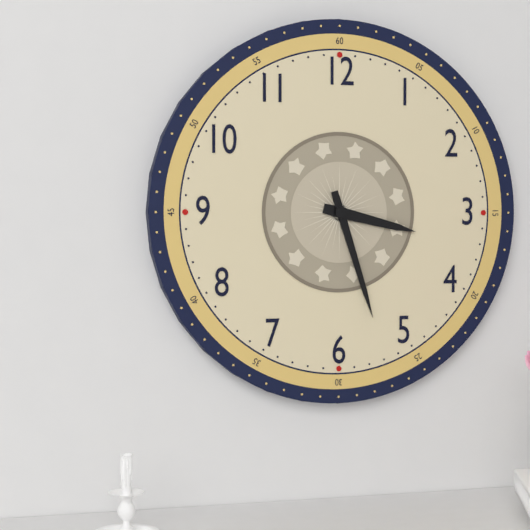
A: 3 h 27 min
